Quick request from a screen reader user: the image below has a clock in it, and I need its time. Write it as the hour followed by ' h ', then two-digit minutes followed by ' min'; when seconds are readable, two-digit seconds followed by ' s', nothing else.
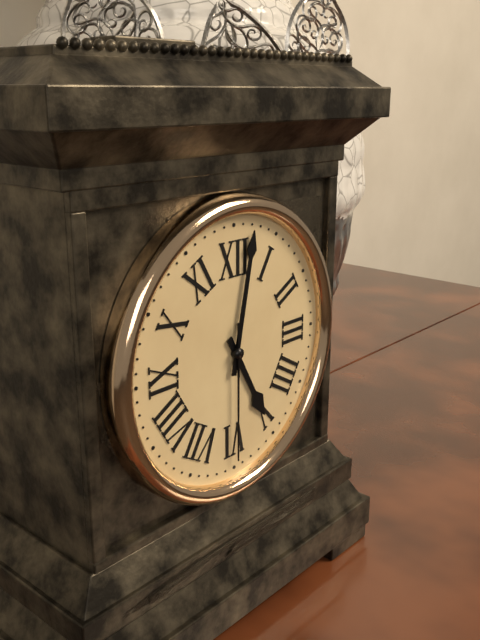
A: 5 h 02 min 30 s
